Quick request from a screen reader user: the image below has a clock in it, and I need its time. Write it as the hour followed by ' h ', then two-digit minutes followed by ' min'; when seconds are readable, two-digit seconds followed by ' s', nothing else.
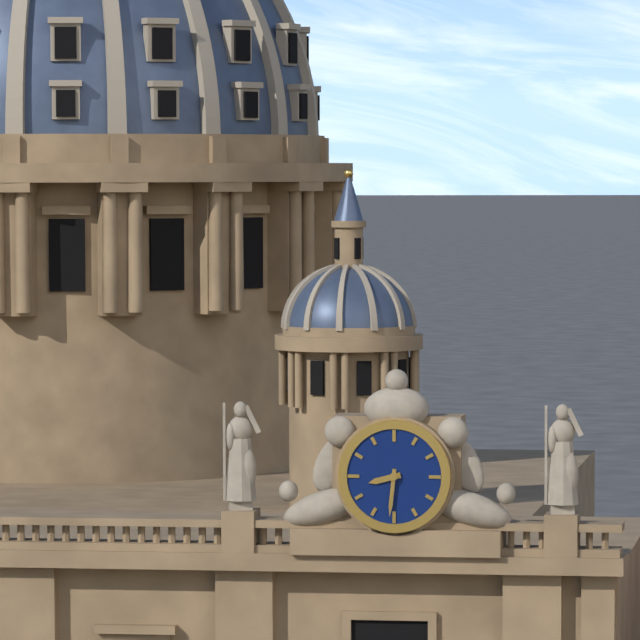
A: 8 h 31 min
